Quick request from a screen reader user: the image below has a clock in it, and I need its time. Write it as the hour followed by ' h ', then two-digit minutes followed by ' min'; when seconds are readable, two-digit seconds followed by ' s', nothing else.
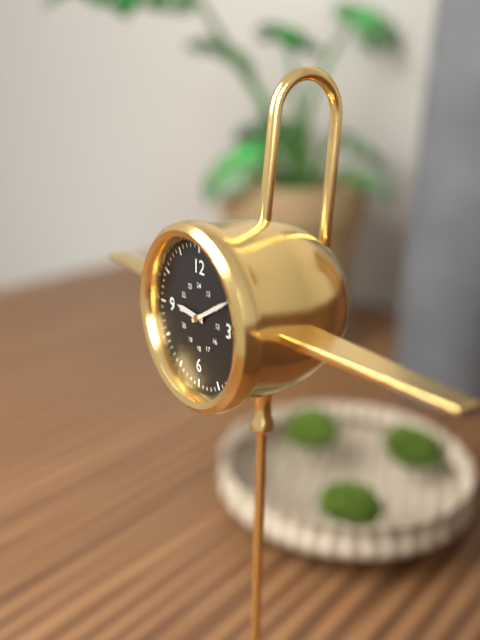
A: 9 h 10 min
